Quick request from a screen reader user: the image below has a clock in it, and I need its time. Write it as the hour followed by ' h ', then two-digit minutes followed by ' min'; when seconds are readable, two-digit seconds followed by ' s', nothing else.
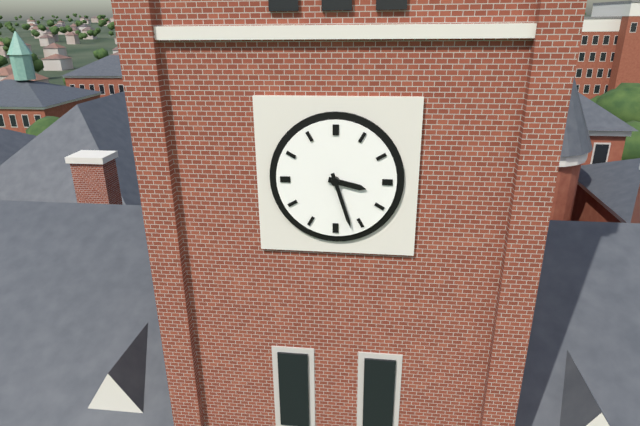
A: 3 h 27 min
